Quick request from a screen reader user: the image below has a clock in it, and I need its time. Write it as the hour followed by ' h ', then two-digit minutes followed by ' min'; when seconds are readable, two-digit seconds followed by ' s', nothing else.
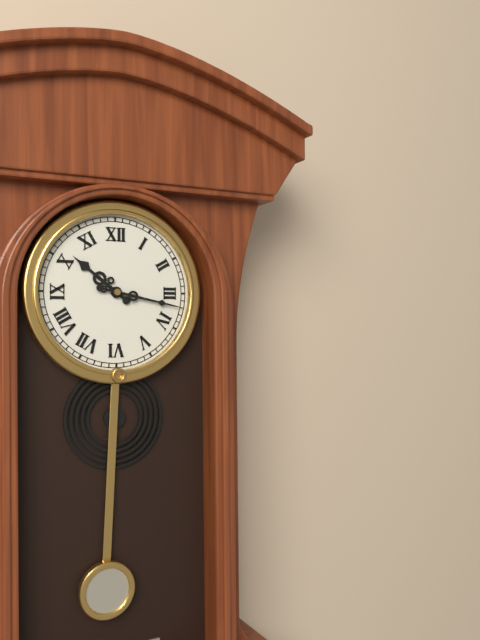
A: 10 h 17 min
